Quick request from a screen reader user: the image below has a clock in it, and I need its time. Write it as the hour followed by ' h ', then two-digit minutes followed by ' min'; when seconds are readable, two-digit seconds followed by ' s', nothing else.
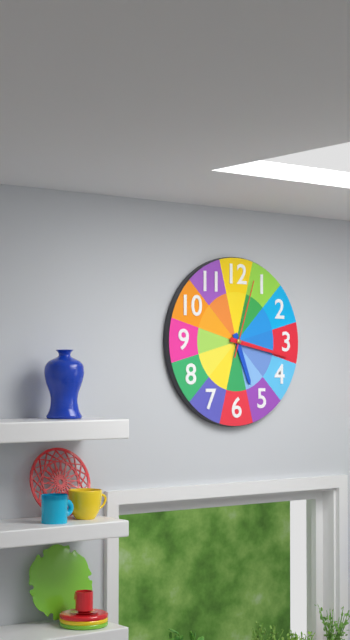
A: 5 h 17 min 03 s
